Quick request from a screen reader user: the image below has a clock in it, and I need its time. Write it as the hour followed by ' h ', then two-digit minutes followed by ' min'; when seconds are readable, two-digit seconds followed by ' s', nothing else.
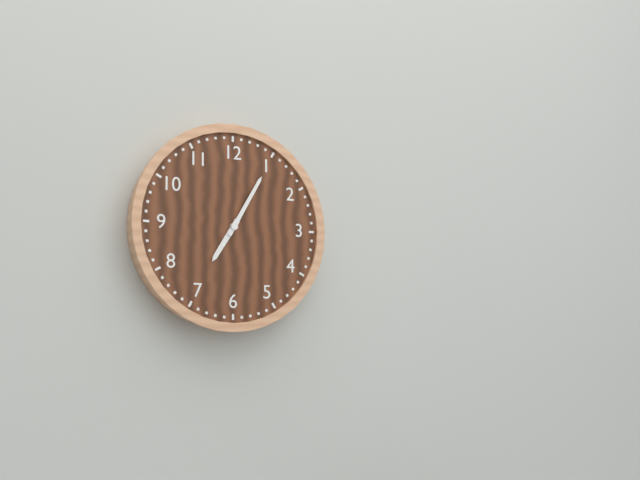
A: 7 h 05 min
